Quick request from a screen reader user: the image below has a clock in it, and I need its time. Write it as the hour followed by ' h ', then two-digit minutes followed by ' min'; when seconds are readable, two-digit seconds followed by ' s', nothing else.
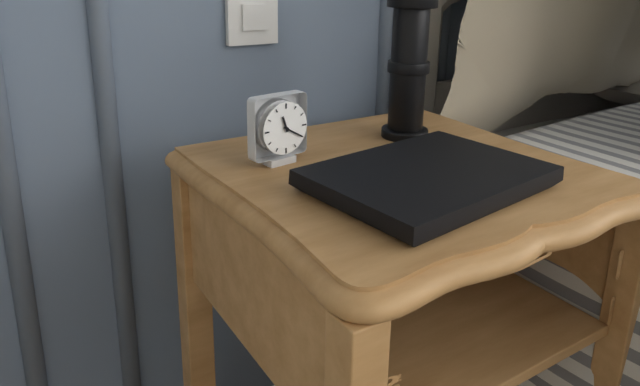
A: 11 h 20 min
